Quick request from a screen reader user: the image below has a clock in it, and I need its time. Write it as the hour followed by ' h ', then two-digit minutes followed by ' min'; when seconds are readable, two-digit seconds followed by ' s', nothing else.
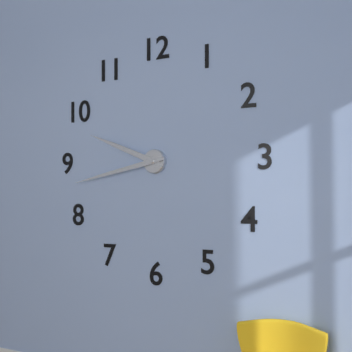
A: 9 h 43 min
